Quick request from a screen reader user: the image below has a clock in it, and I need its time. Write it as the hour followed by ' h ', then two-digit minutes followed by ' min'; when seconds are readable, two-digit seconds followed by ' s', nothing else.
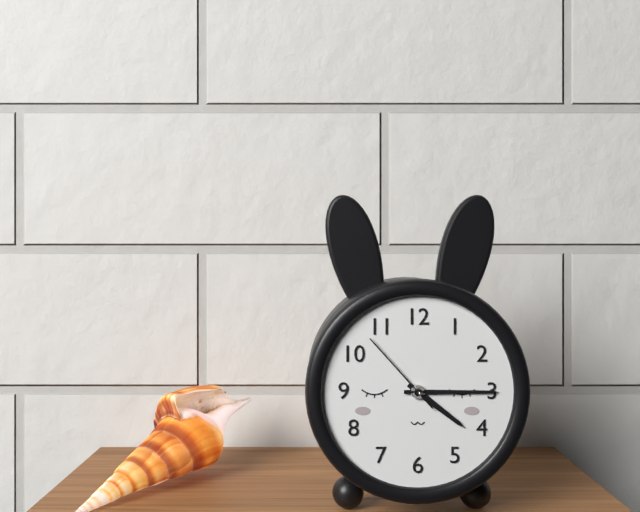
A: 4 h 15 min 53 s
